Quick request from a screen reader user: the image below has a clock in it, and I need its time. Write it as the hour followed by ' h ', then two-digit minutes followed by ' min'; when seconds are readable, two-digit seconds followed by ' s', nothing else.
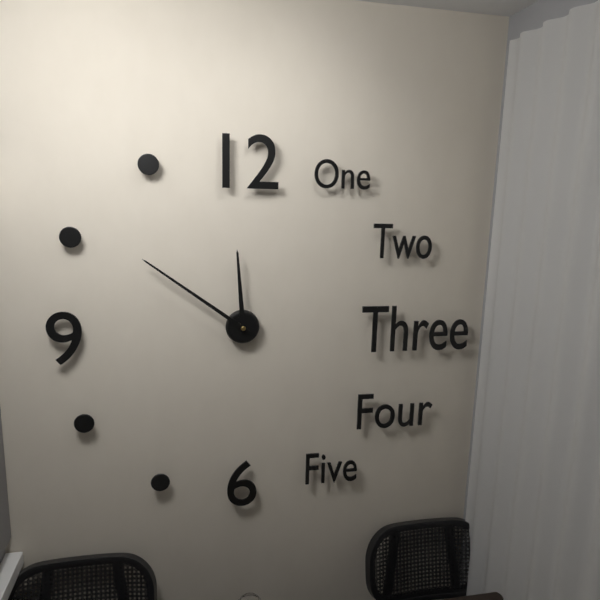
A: 11 h 51 min
